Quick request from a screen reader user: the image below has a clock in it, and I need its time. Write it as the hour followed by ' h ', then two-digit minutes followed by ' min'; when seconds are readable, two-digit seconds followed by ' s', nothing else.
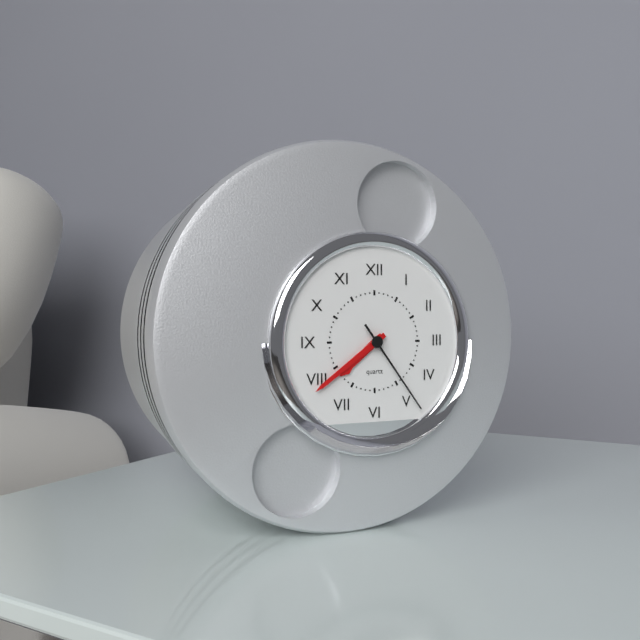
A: 7 h 39 min 24 s
